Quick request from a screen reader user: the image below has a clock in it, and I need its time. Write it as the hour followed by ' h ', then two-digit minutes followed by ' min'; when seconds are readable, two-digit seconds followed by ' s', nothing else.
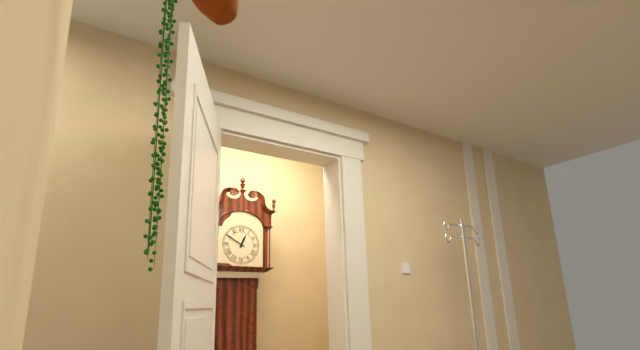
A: 12 h 50 min
